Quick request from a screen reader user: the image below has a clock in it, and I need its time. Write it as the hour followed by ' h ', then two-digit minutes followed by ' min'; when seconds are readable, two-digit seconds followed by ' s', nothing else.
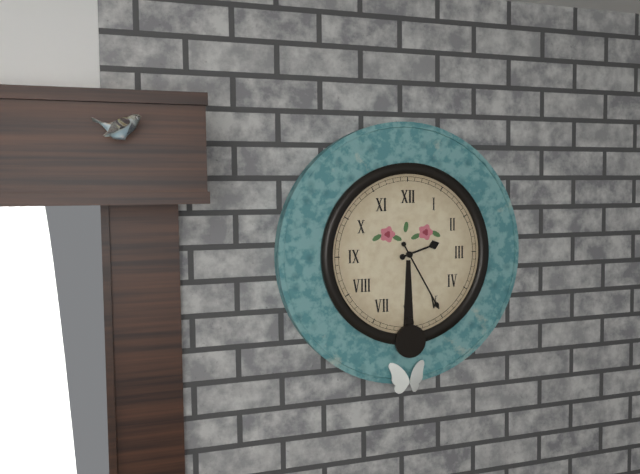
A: 2 h 25 min
